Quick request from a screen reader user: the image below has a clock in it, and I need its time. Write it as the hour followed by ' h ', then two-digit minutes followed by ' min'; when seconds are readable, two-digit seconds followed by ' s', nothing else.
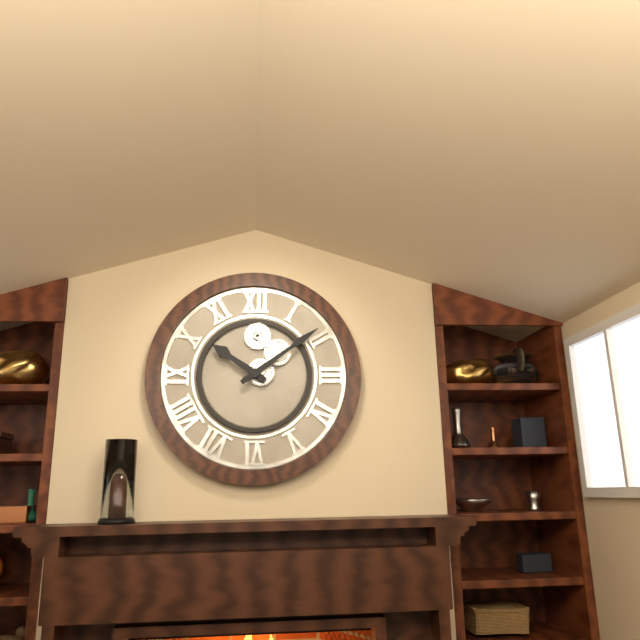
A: 10 h 09 min
